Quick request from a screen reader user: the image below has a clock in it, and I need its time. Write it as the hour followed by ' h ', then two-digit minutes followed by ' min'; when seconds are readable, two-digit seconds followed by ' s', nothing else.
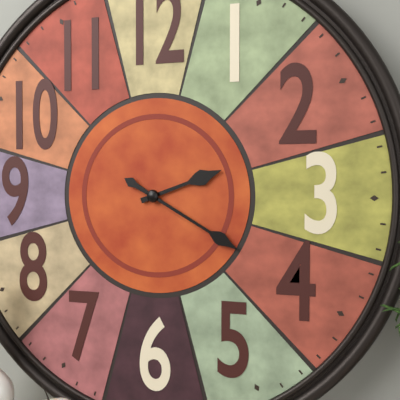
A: 2 h 20 min
